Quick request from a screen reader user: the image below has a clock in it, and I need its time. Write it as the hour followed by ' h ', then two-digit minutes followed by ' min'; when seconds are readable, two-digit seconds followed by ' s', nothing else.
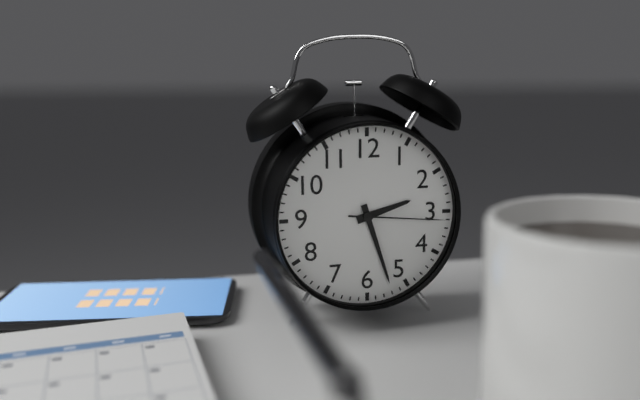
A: 2 h 27 min 16 s
